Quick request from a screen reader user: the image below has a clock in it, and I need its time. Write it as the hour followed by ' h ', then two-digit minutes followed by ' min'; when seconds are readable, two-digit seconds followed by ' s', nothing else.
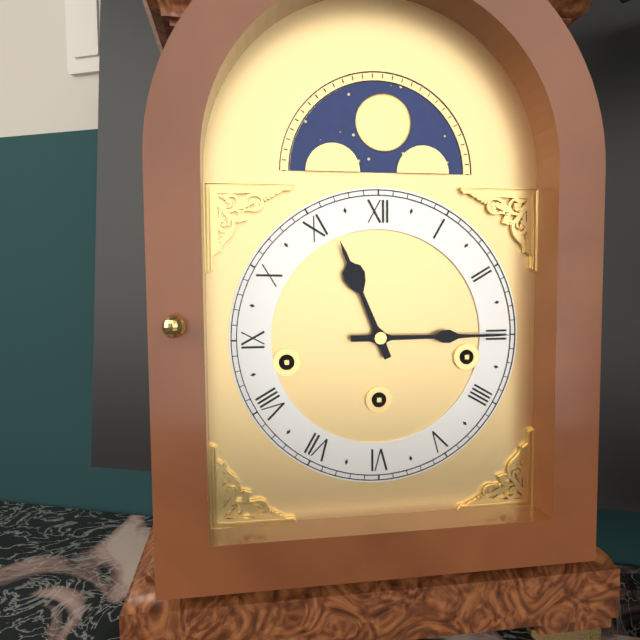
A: 11 h 15 min
